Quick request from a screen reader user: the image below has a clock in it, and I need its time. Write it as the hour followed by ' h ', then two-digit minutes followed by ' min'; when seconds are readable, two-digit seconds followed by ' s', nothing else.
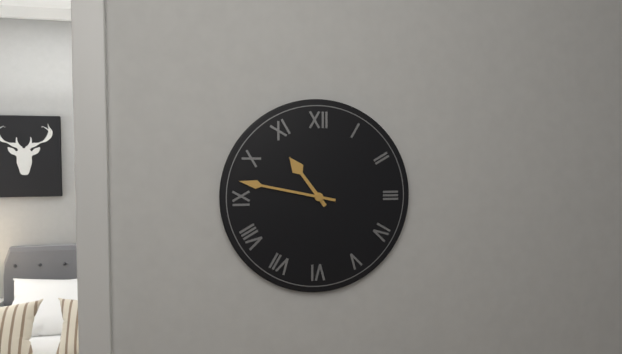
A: 10 h 47 min
